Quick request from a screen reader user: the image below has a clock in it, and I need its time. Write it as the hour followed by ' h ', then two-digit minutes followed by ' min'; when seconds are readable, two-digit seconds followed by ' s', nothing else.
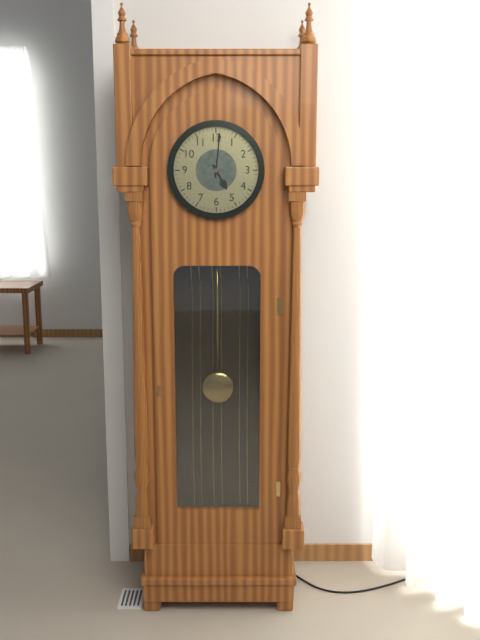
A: 5 h 01 min
